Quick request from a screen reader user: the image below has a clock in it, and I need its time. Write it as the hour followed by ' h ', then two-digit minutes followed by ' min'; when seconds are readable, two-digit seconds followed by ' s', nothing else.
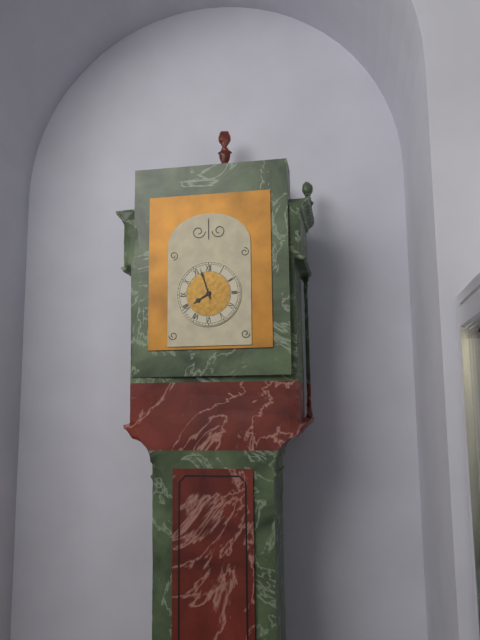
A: 7 h 57 min
